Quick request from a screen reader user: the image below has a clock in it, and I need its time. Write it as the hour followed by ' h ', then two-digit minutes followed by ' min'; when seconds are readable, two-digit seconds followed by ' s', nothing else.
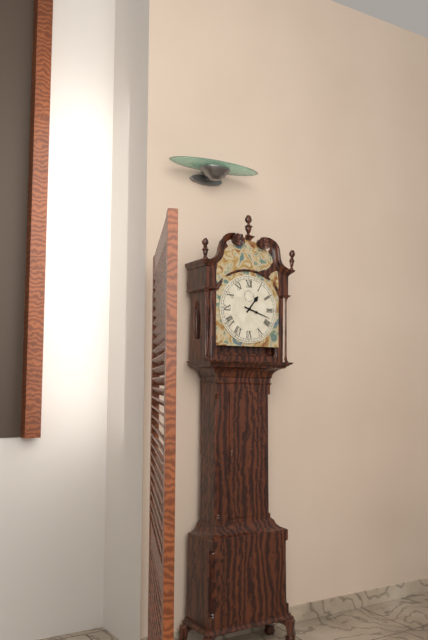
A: 1 h 18 min
